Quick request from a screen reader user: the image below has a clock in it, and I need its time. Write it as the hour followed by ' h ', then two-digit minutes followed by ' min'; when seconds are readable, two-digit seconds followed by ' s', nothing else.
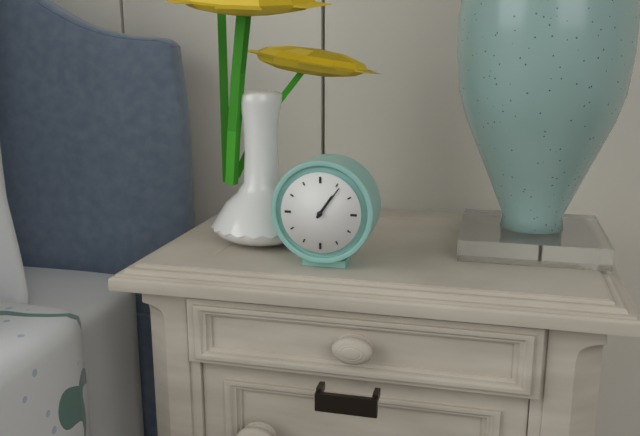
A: 1 h 06 min
